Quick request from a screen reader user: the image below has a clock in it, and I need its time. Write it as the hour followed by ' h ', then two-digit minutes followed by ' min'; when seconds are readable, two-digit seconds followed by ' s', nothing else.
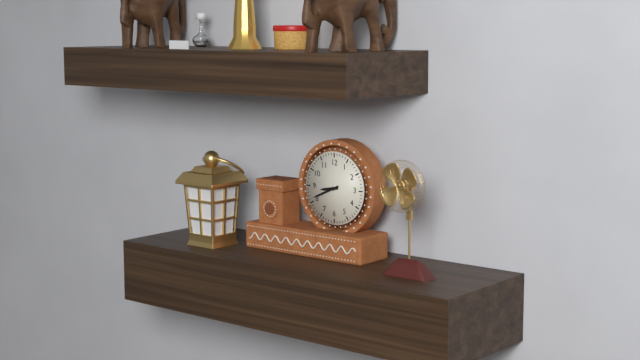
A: 8 h 41 min
